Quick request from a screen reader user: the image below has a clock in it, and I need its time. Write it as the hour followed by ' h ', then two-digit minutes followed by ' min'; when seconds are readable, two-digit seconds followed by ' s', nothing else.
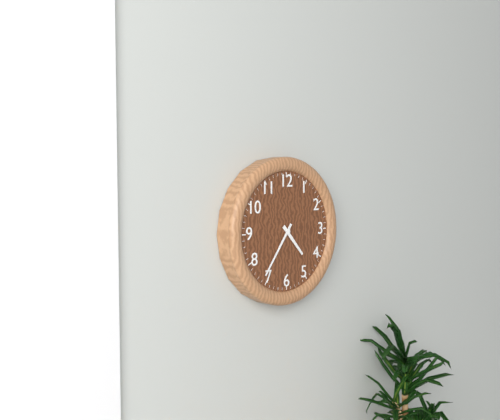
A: 4 h 36 min
